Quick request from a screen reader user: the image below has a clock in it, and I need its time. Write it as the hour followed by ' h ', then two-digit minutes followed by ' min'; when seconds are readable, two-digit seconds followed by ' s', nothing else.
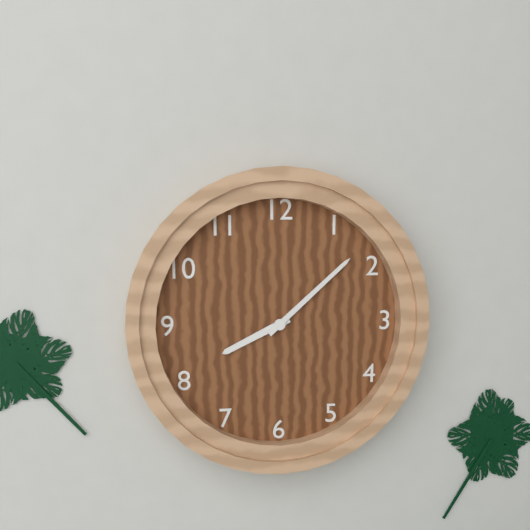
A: 8 h 08 min
